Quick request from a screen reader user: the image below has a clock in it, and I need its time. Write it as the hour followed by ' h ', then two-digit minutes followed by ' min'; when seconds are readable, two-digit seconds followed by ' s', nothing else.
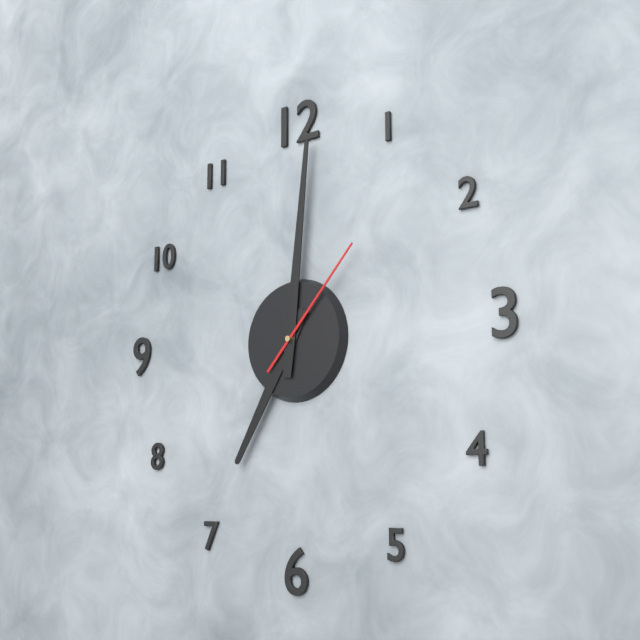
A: 7 h 01 min 07 s
